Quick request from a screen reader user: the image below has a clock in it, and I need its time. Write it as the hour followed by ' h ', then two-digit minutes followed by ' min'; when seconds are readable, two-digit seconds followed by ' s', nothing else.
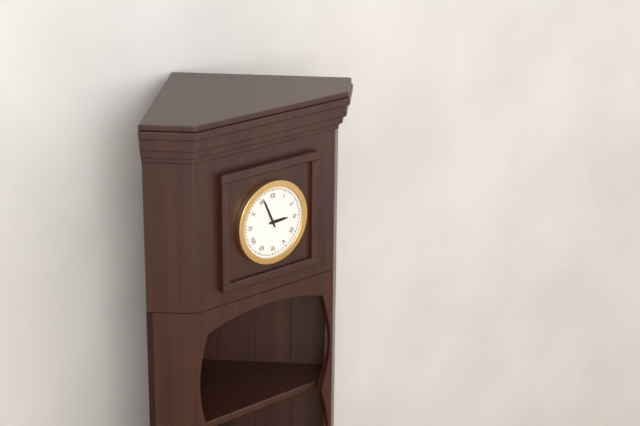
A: 2 h 56 min
